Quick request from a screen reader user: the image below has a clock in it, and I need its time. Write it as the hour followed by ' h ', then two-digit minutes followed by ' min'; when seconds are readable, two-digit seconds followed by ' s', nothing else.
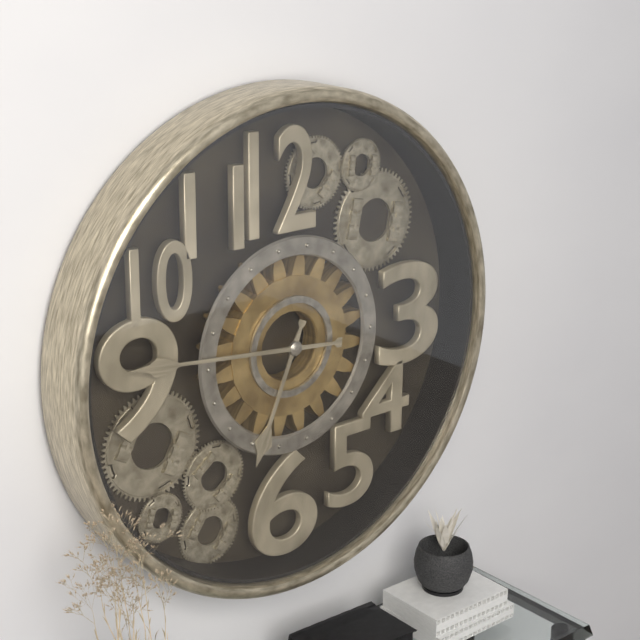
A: 6 h 46 min
